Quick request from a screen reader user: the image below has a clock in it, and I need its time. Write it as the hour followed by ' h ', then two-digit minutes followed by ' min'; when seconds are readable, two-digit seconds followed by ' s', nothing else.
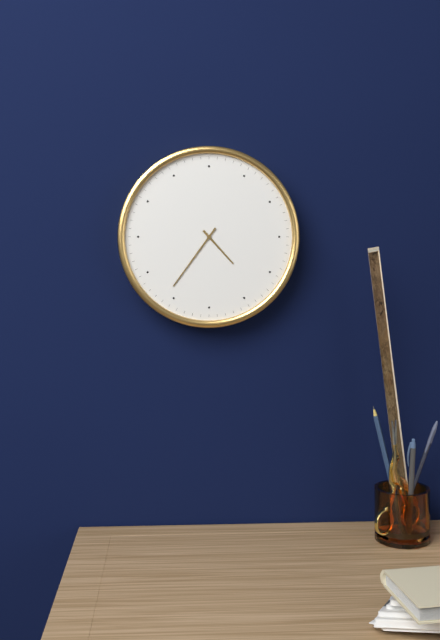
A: 4 h 36 min
